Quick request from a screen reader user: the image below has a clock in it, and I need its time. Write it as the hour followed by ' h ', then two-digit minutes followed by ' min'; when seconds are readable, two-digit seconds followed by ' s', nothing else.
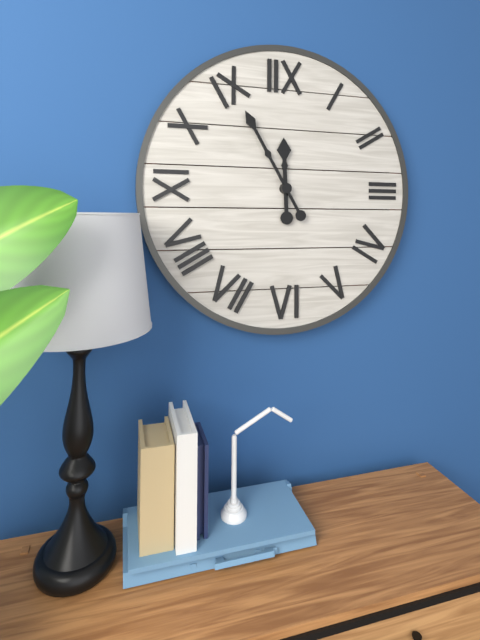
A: 11 h 55 min
